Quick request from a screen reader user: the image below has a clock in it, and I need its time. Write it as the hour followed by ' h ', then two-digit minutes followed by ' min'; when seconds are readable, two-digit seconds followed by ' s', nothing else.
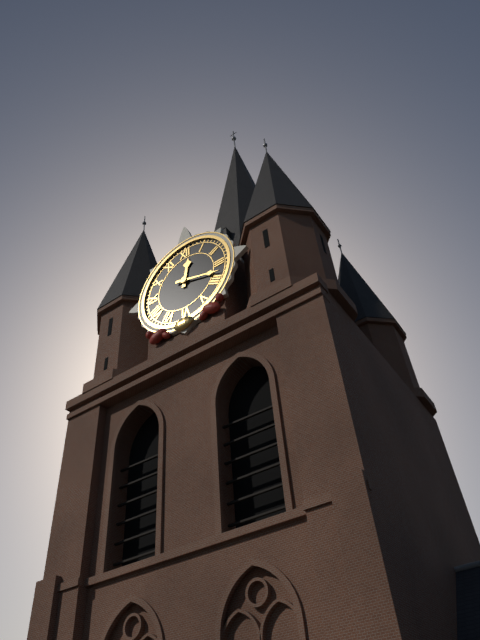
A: 12 h 18 min
